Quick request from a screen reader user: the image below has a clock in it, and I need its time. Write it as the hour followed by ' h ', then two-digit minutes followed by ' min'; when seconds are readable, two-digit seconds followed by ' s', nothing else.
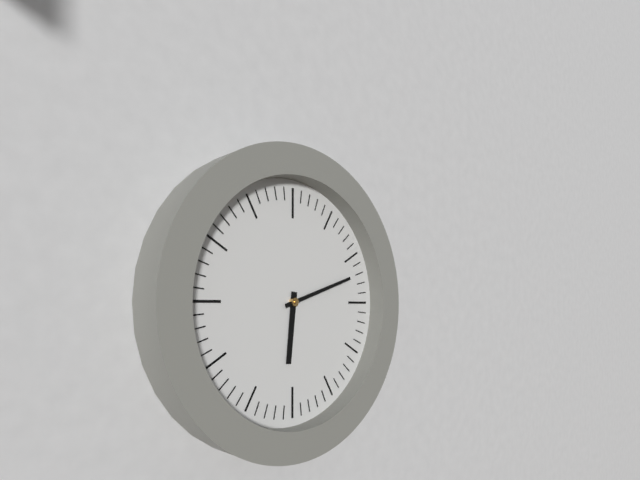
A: 6 h 12 min
